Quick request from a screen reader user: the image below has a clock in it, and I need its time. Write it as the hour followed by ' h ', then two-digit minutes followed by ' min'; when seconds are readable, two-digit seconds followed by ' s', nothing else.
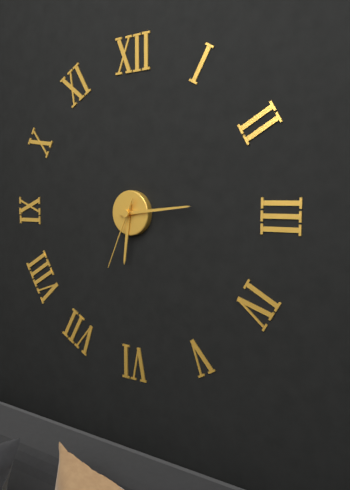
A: 6 h 14 min 34 s
